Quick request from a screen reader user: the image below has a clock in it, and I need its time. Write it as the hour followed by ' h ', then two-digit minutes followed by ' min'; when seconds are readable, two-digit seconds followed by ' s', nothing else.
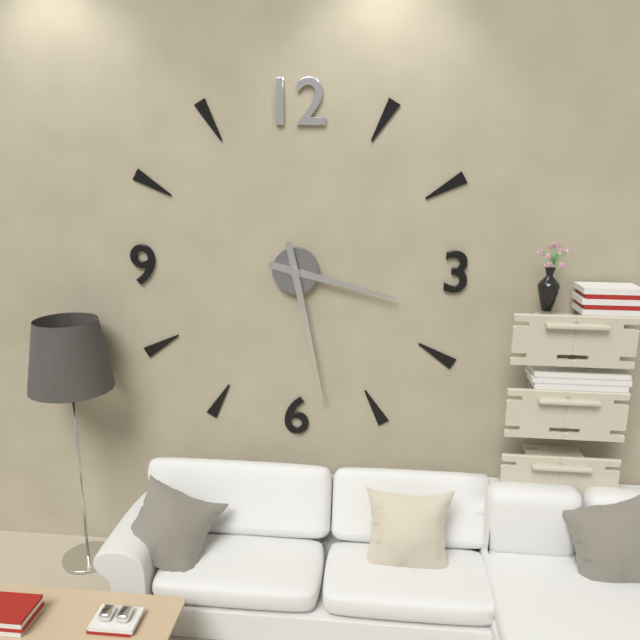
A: 3 h 28 min
